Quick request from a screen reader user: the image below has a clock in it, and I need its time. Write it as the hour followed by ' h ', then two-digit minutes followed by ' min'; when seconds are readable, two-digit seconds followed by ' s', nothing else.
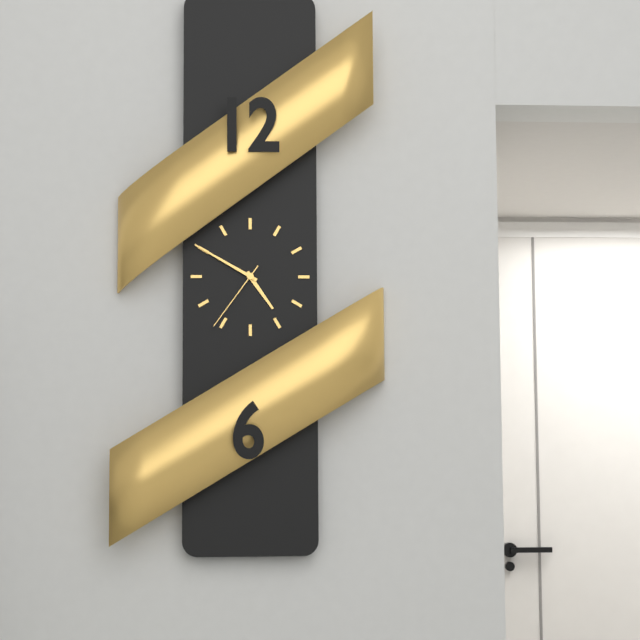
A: 4 h 50 min 36 s
